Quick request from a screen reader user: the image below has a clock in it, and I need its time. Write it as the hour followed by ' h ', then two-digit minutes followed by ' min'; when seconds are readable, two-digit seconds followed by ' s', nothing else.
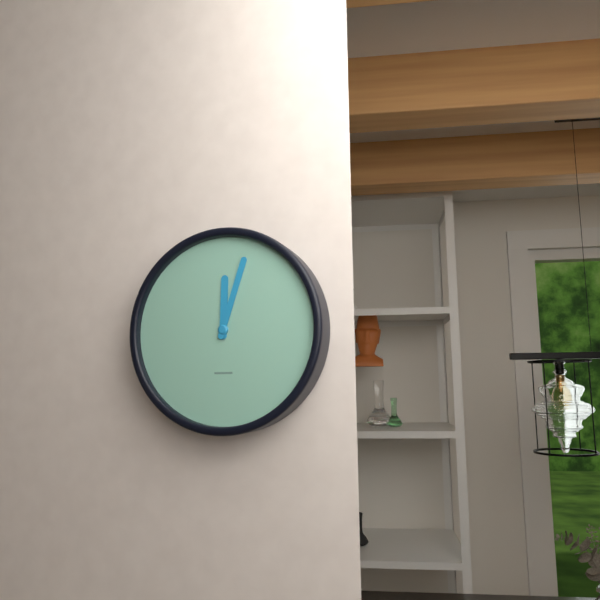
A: 12 h 03 min
